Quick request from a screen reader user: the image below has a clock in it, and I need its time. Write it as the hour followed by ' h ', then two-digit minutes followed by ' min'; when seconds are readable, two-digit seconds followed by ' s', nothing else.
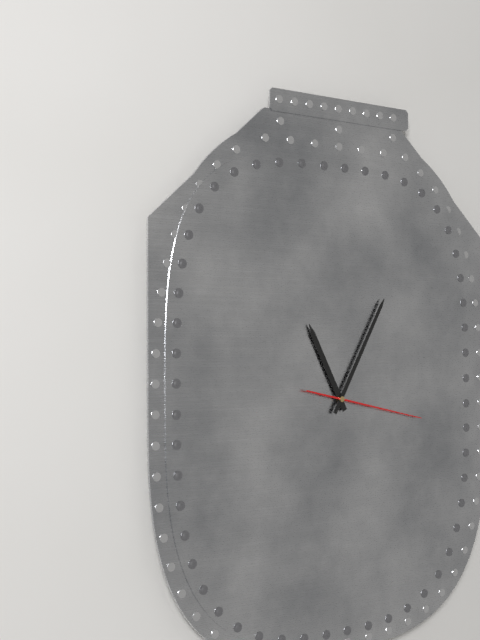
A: 11 h 05 min 17 s
